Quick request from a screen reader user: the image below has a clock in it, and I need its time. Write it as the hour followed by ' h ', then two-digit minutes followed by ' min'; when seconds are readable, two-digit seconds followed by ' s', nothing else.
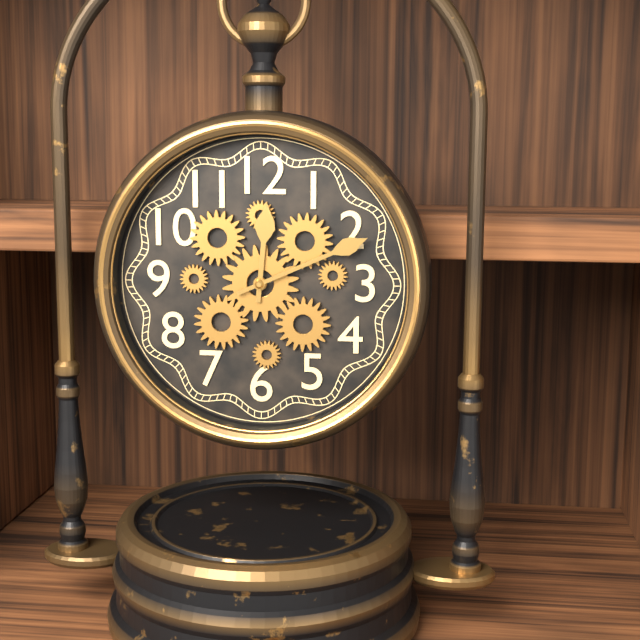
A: 12 h 11 min
